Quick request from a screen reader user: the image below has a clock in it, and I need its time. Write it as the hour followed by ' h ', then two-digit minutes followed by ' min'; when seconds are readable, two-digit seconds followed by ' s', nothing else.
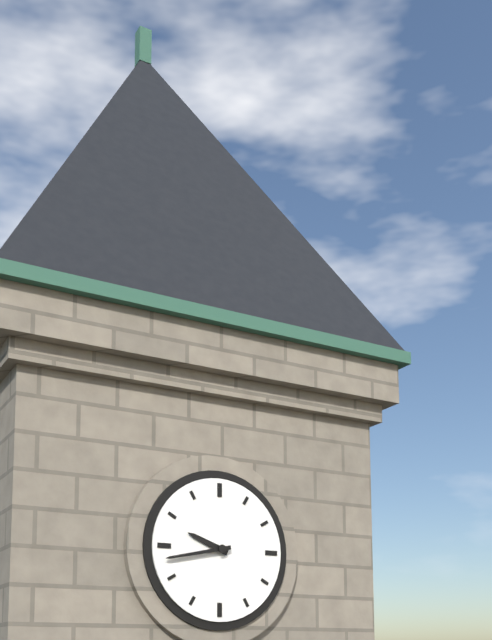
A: 9 h 43 min
